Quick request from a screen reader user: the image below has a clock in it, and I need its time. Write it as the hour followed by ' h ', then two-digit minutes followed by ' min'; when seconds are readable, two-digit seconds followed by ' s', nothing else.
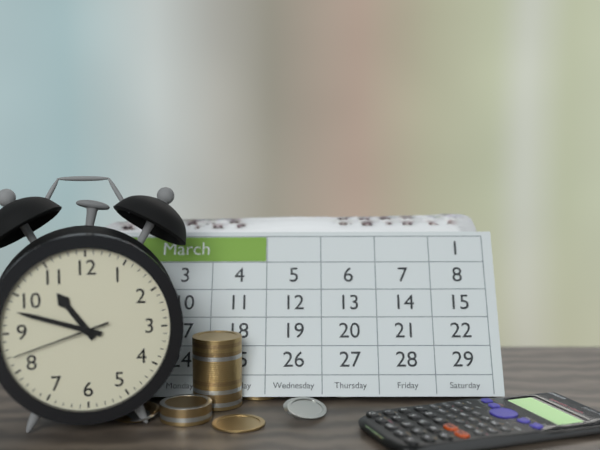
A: 10 h 48 min 42 s
